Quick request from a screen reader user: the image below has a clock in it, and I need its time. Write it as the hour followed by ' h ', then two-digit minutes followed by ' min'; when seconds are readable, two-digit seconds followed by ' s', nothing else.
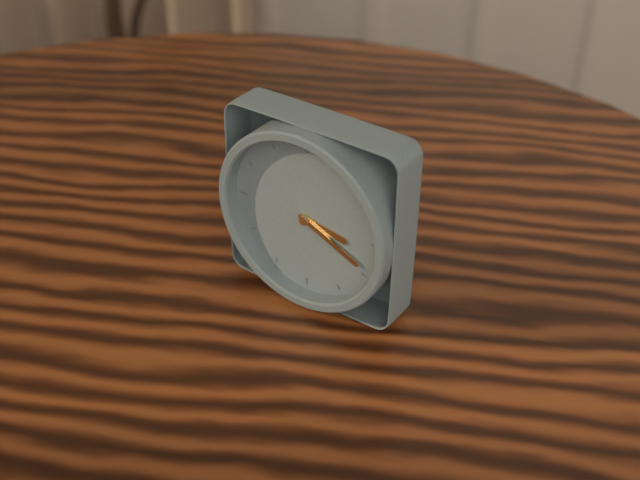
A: 3 h 19 min
